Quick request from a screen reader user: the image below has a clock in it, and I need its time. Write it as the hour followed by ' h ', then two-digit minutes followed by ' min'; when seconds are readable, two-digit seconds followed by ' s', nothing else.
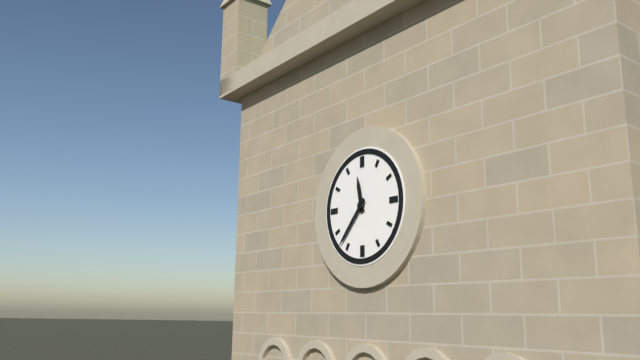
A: 11 h 37 min
